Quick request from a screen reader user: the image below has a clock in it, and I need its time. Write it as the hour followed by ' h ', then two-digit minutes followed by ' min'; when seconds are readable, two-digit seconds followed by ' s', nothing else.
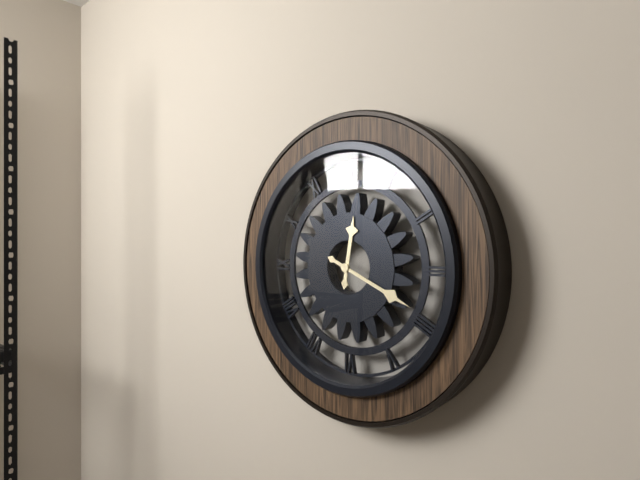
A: 12 h 19 min
